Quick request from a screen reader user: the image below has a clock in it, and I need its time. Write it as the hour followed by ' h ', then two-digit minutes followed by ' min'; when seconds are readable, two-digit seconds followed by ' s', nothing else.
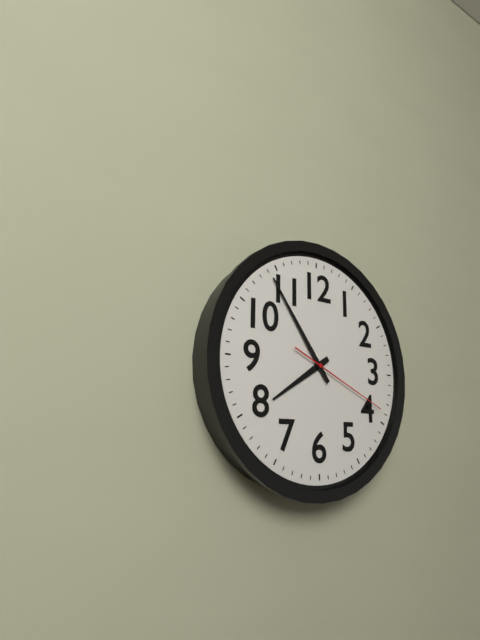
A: 7 h 54 min 19 s
